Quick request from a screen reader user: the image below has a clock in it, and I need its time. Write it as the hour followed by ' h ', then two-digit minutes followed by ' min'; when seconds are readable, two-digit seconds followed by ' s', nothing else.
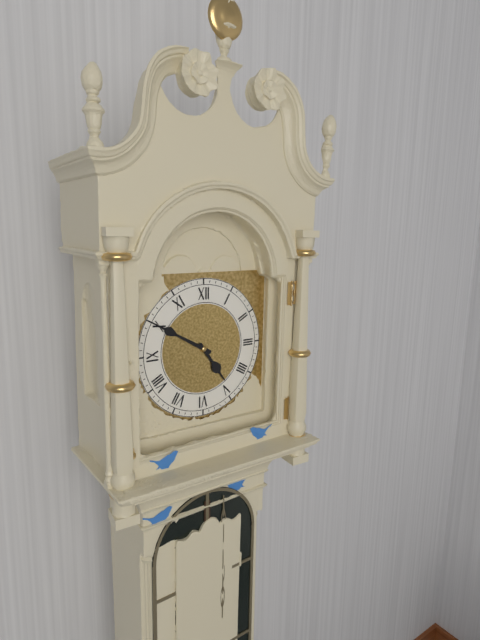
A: 4 h 50 min
